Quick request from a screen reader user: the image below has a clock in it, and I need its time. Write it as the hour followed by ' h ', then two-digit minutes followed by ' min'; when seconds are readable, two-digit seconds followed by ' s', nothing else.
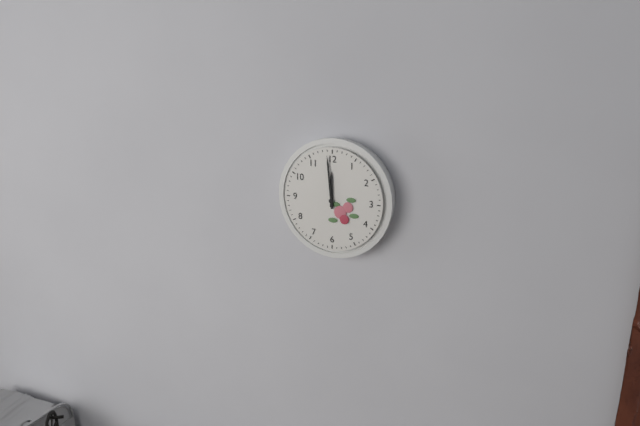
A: 11 h 59 min
